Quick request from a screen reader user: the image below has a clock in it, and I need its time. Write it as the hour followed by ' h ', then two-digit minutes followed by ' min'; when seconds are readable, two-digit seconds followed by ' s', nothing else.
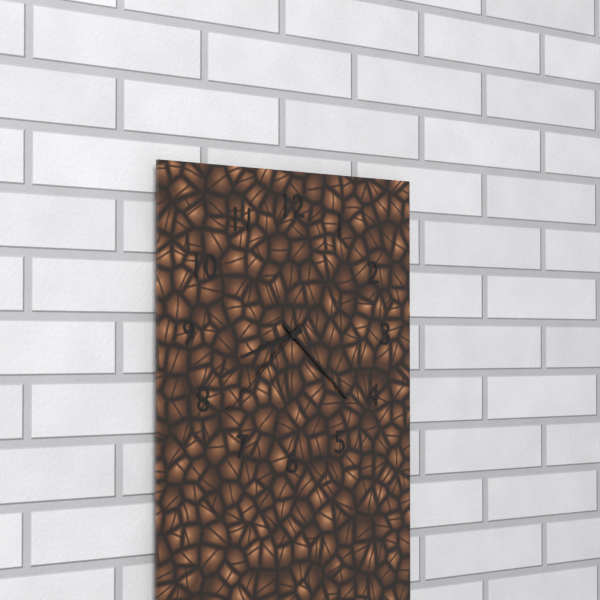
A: 8 h 22 min 38 s
